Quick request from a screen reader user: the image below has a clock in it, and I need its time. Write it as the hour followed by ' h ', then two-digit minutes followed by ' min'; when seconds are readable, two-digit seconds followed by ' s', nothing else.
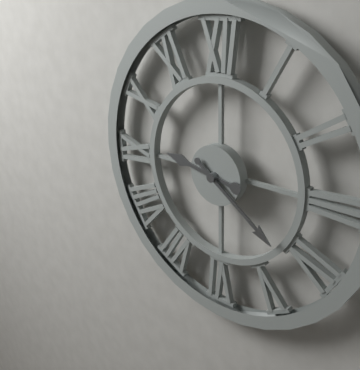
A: 9 h 21 min
